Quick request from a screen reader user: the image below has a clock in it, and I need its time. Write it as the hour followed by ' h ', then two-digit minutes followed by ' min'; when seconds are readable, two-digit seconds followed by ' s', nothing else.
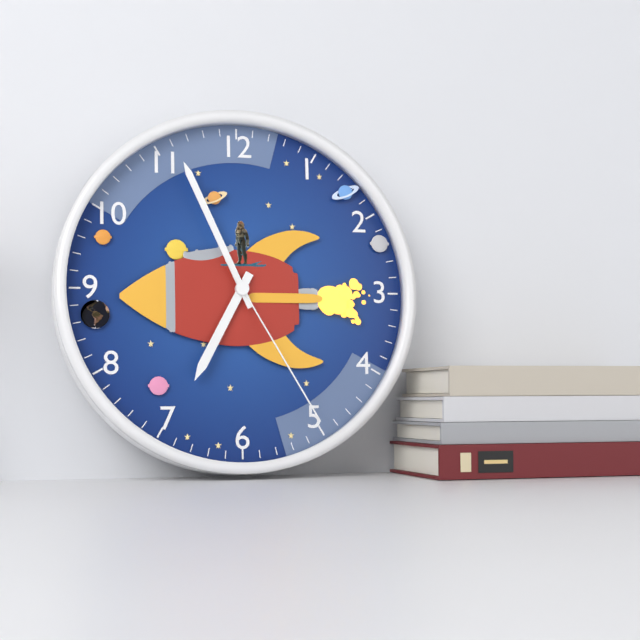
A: 6 h 56 min 25 s
